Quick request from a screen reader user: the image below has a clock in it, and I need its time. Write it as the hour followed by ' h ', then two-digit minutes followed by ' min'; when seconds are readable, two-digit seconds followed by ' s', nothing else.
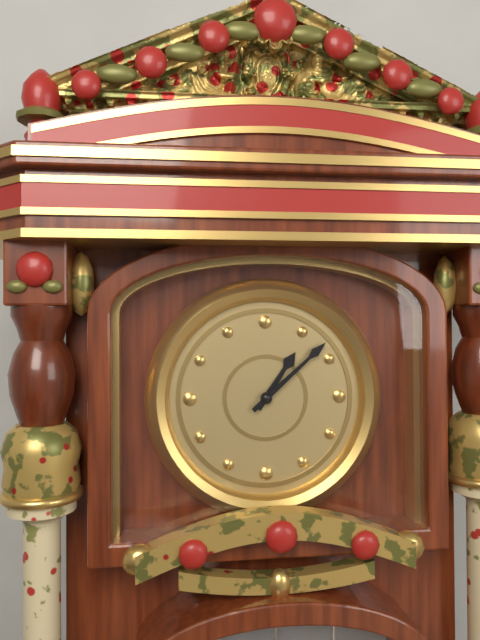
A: 1 h 08 min
